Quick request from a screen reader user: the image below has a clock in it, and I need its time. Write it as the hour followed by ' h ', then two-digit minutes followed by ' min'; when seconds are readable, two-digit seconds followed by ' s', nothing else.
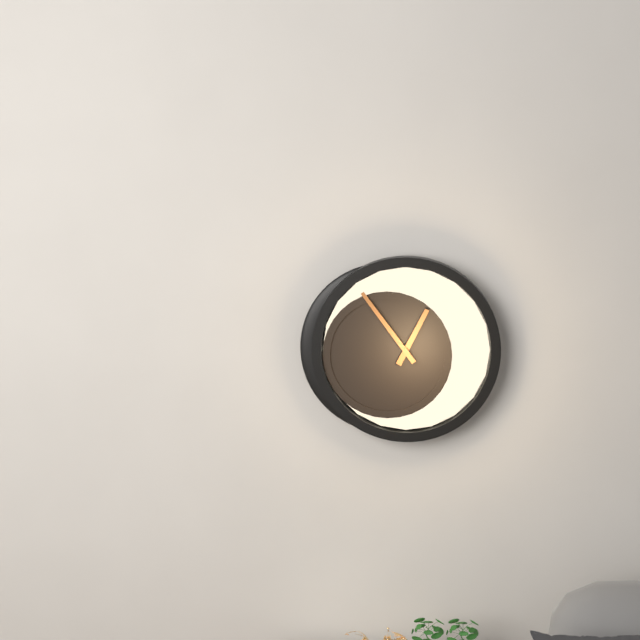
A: 12 h 54 min
